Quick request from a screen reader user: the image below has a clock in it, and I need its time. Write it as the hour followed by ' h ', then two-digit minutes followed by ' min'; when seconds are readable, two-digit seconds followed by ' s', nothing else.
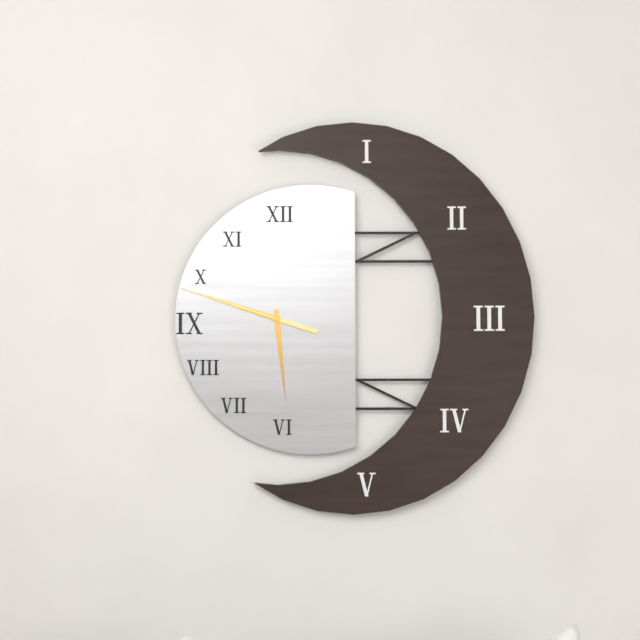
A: 5 h 48 min 48 s
